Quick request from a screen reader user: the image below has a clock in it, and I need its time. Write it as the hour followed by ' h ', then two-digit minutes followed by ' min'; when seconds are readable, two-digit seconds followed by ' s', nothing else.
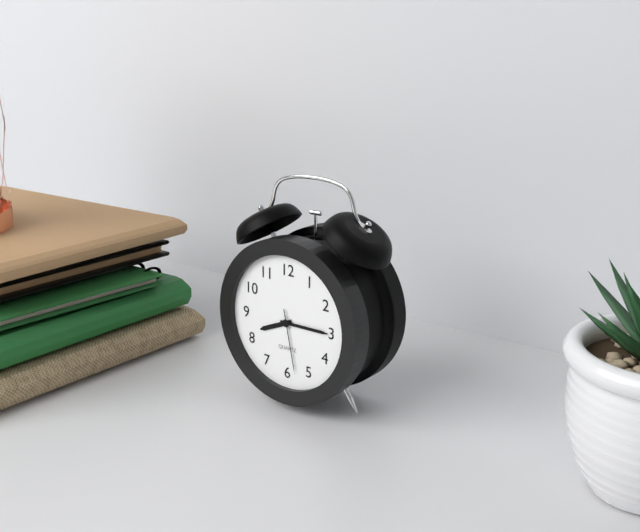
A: 8 h 15 min 28 s
